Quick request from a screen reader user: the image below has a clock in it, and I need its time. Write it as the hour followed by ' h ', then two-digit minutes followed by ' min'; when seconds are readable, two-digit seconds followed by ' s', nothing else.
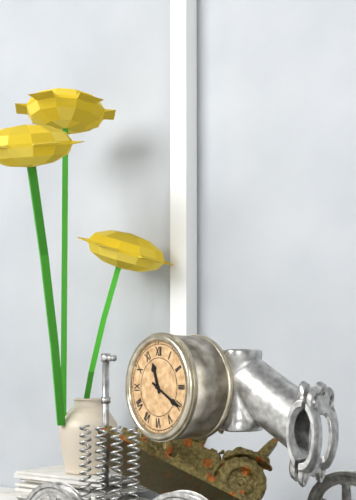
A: 11 h 20 min
